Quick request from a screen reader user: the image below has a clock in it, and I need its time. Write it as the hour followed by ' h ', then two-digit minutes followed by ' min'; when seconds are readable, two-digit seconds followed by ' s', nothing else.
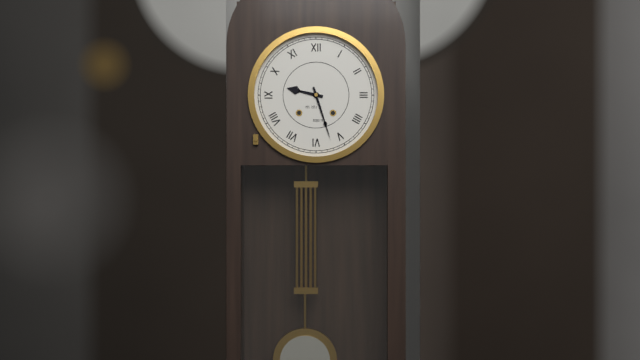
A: 9 h 27 min
